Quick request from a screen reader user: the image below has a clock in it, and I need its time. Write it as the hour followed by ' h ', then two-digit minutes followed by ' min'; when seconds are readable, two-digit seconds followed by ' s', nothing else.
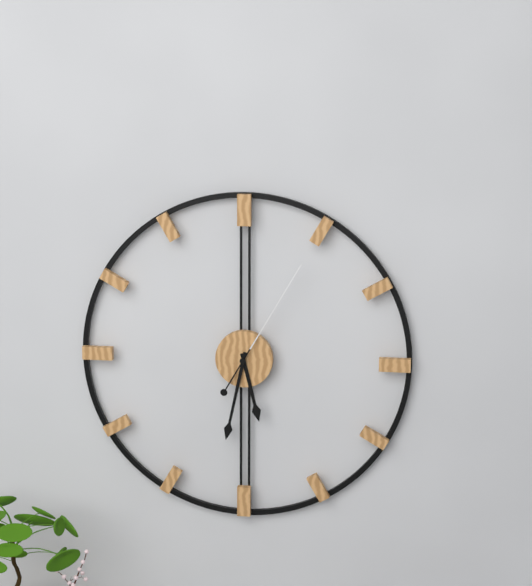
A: 5 h 32 min 05 s
